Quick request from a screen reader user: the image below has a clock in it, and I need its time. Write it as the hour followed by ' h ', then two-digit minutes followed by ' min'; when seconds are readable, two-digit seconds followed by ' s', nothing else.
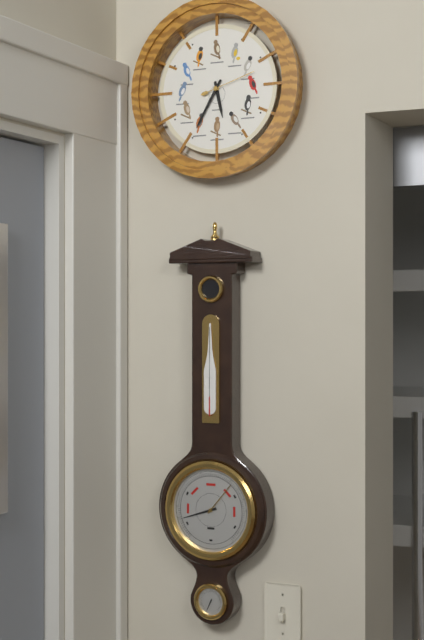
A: 5 h 35 min 12 s
